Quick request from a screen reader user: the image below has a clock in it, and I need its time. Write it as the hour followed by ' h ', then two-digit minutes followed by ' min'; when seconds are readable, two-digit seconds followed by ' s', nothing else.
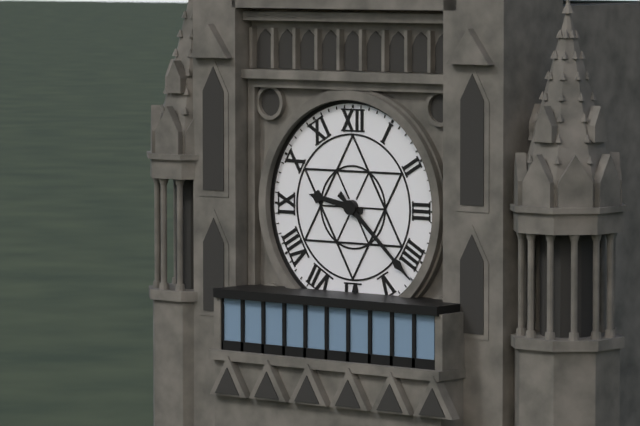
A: 9 h 22 min
